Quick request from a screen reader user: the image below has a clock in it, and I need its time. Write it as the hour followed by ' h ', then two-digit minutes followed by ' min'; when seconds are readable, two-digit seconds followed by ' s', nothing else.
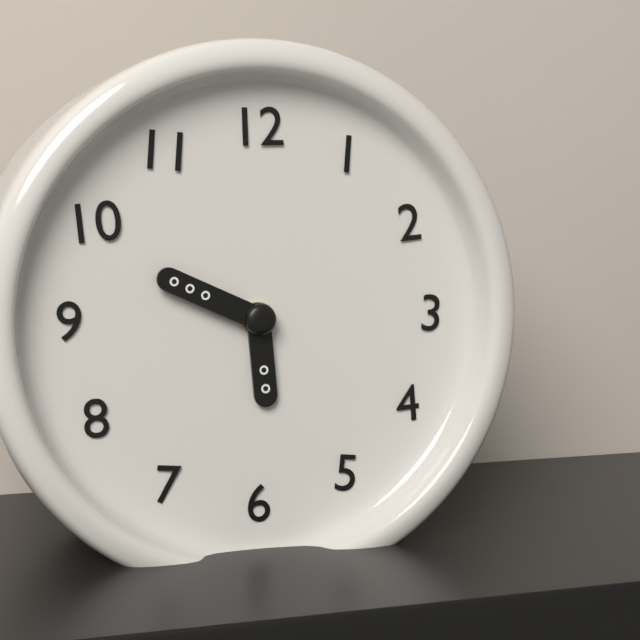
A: 5 h 49 min
